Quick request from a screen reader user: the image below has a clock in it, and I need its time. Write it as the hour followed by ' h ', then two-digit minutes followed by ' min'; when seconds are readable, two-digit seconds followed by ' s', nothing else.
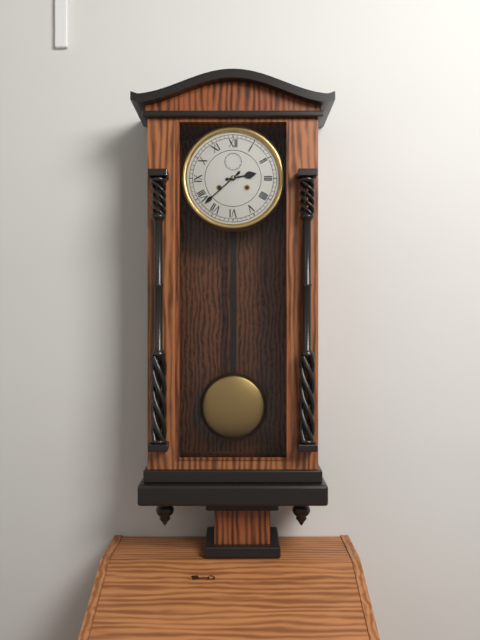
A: 2 h 38 min
